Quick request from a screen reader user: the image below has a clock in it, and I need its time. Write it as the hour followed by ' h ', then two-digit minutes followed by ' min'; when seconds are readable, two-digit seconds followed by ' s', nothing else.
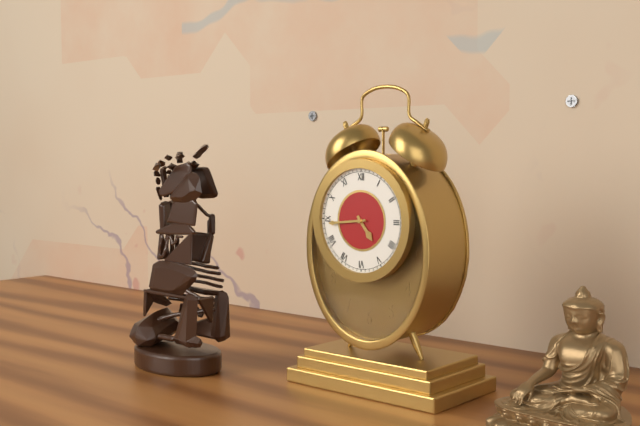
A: 4 h 44 min
